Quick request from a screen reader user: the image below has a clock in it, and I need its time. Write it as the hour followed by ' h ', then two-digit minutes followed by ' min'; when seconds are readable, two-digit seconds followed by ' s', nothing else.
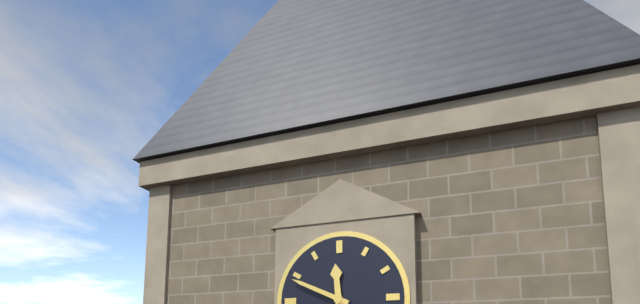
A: 11 h 49 min
